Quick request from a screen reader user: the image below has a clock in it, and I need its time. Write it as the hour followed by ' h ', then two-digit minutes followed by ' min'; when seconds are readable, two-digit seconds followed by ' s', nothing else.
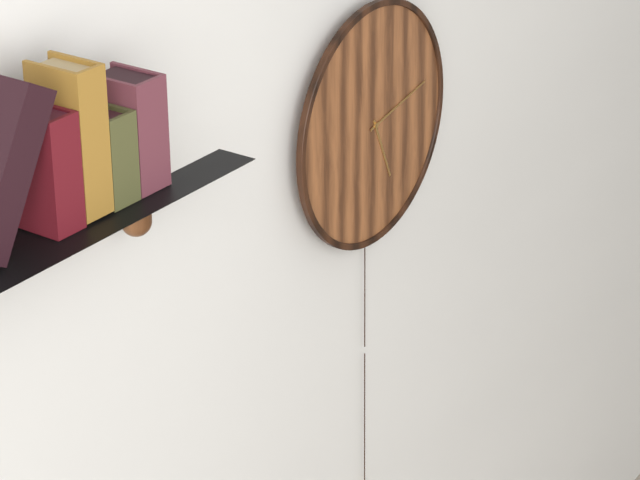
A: 5 h 13 min
